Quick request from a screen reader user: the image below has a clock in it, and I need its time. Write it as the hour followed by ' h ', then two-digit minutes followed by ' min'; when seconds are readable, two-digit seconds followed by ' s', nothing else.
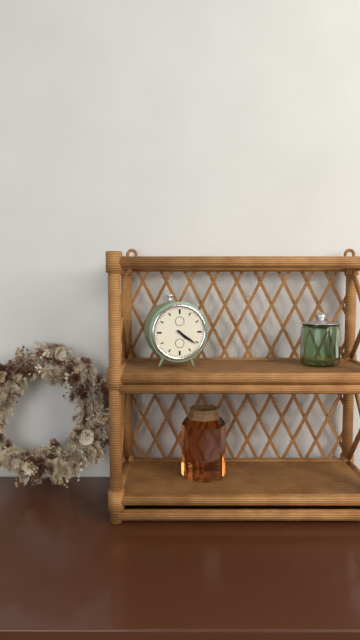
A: 4 h 21 min
